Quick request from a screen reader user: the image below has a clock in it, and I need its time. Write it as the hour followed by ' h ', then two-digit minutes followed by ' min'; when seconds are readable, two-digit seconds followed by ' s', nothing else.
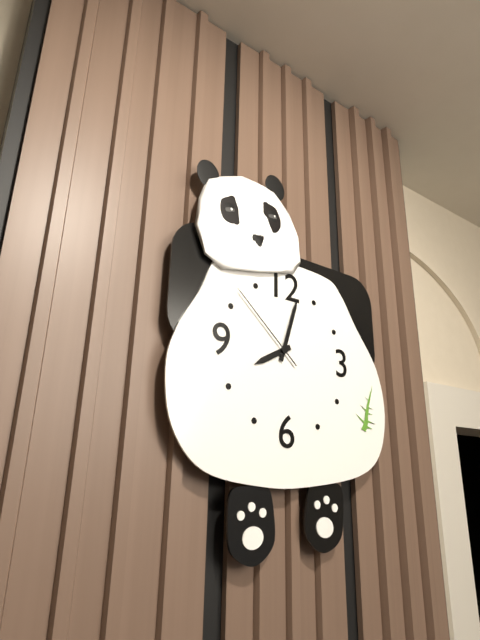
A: 8 h 03 min 52 s
